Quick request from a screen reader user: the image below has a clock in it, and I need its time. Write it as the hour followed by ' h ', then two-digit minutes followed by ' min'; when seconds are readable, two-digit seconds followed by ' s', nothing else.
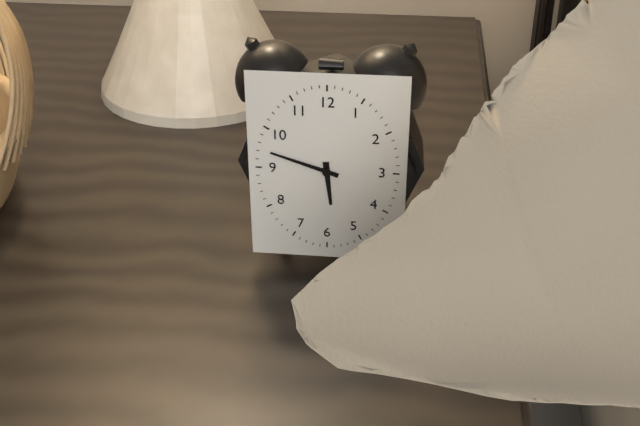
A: 5 h 48 min
